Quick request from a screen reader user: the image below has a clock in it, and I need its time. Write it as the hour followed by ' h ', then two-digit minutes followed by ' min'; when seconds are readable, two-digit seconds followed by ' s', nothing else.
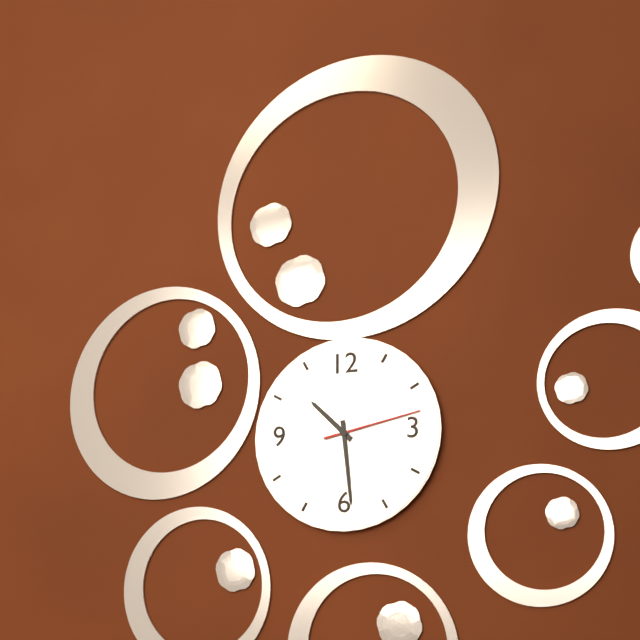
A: 10 h 29 min 13 s
